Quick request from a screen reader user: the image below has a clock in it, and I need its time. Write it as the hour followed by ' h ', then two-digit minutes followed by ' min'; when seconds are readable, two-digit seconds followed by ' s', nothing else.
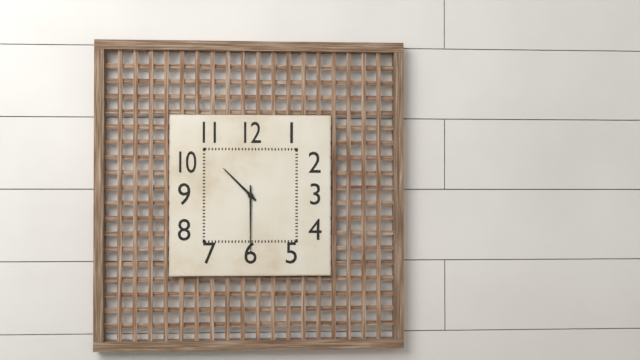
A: 10 h 30 min
